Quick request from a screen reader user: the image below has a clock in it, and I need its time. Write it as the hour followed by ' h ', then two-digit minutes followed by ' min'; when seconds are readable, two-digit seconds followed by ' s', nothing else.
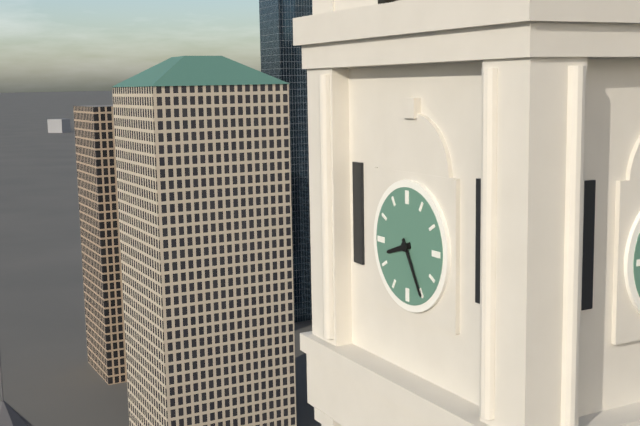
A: 8 h 25 min
